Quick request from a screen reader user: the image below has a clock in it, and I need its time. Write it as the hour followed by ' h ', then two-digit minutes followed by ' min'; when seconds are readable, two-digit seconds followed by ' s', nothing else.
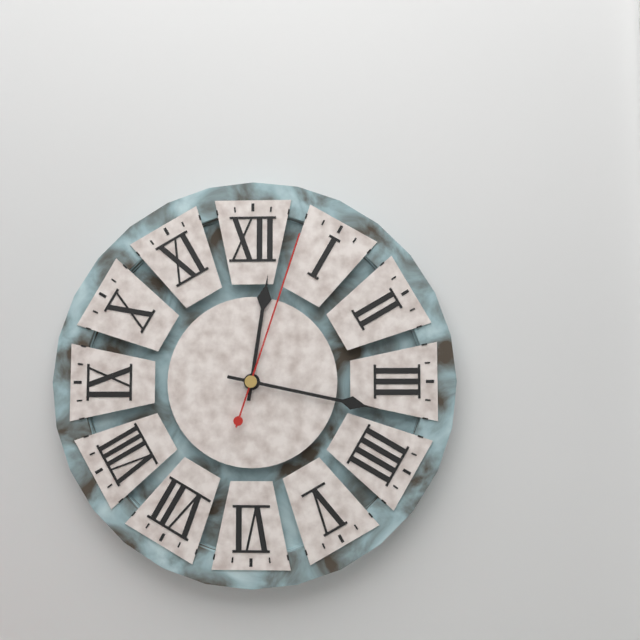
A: 12 h 17 min 03 s
